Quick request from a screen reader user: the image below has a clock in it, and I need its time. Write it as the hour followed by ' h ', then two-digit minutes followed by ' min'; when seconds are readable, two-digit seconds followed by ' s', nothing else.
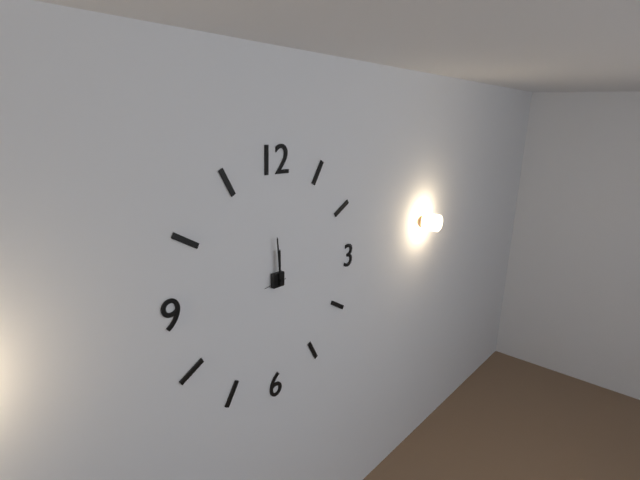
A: 11 h 59 min
